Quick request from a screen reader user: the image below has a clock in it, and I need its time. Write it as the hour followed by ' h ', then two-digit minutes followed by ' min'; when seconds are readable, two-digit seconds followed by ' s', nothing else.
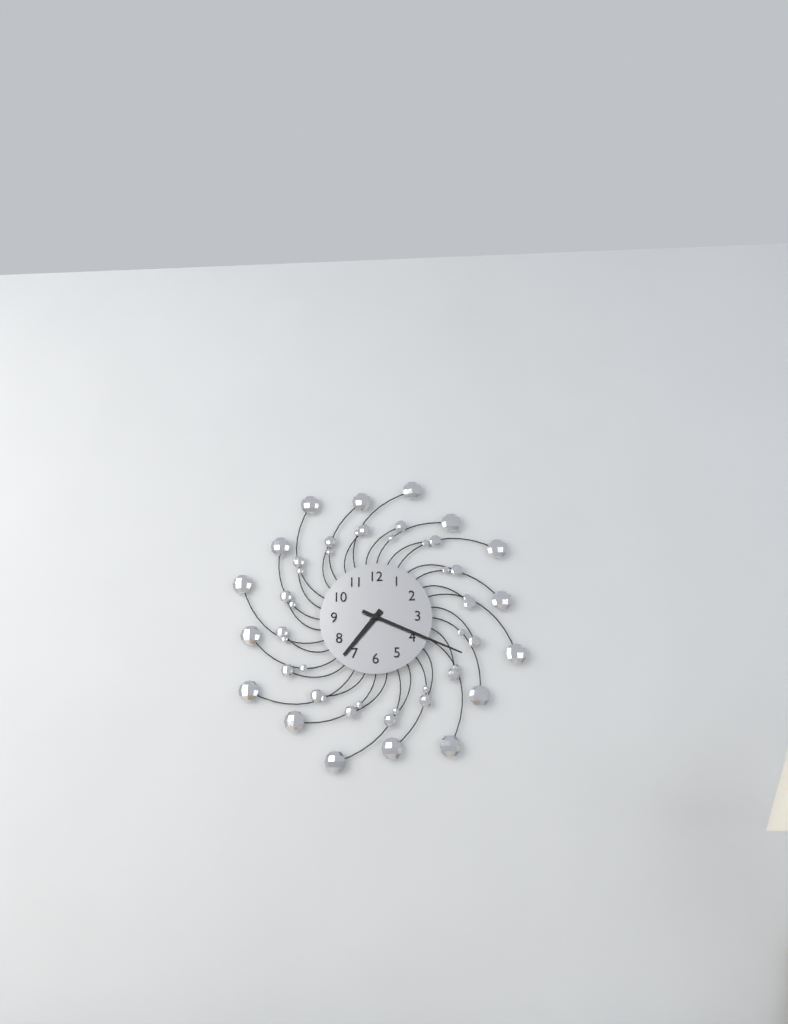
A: 7 h 19 min
